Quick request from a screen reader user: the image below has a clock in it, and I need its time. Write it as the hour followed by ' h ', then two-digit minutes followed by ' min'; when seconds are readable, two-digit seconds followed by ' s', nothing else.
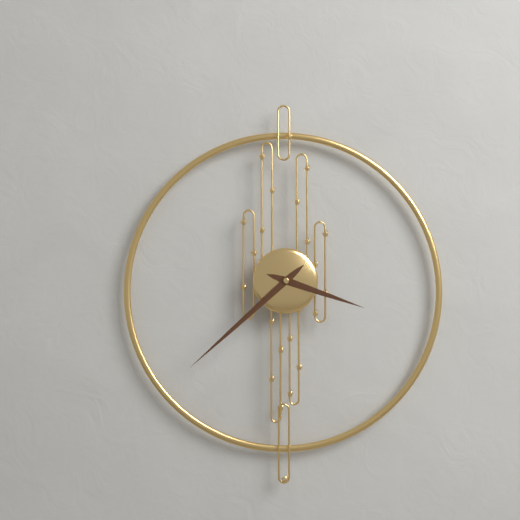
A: 3 h 38 min
